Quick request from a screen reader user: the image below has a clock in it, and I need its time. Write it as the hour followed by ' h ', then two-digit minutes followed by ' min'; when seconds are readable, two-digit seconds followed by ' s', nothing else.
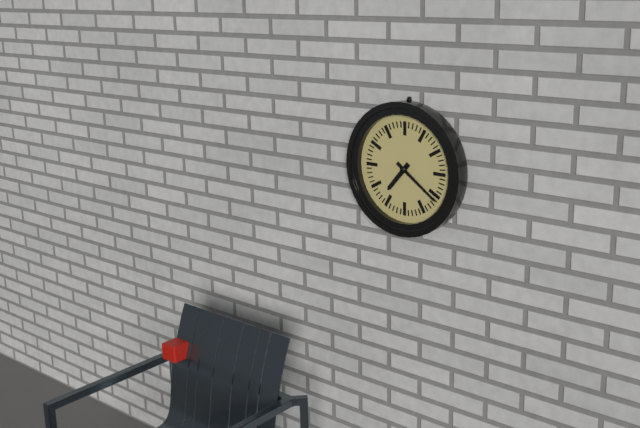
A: 7 h 21 min
